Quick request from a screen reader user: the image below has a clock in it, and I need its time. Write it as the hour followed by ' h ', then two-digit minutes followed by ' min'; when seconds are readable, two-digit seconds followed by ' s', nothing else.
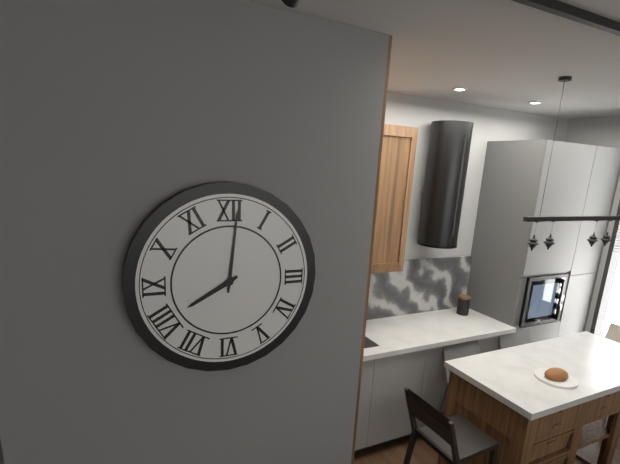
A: 8 h 01 min
